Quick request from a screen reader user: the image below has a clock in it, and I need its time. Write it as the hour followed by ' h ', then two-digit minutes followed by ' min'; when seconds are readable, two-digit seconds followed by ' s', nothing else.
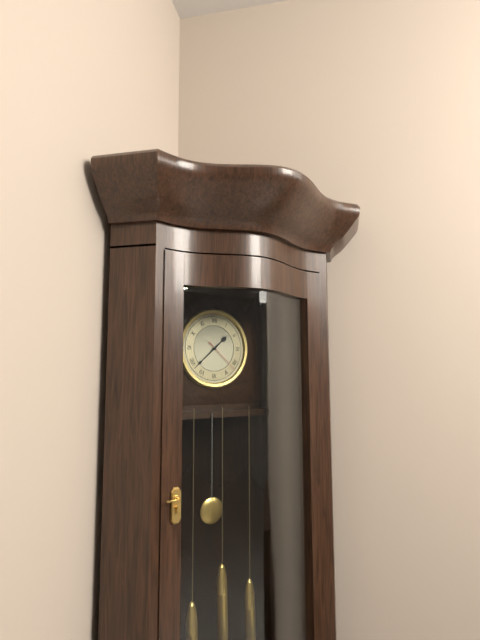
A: 1 h 38 min
